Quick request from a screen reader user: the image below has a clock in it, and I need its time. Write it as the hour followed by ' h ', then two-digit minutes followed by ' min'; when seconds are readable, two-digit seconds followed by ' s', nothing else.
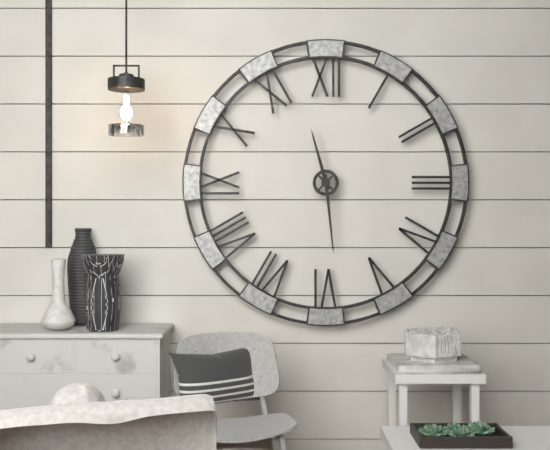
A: 11 h 29 min
